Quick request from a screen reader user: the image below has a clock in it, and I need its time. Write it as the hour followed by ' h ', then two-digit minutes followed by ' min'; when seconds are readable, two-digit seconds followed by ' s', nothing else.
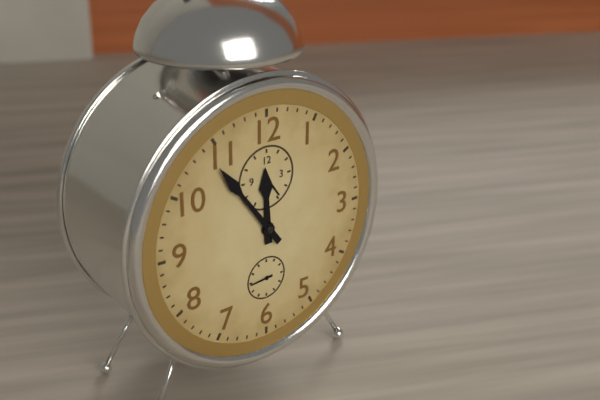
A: 11 h 54 min
